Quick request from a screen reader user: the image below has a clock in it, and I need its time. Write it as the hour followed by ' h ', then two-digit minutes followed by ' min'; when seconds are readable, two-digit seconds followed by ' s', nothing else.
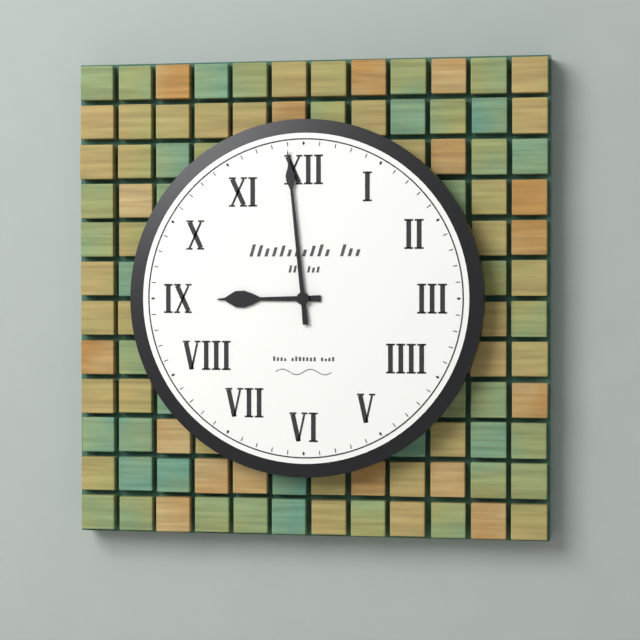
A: 8 h 59 min
